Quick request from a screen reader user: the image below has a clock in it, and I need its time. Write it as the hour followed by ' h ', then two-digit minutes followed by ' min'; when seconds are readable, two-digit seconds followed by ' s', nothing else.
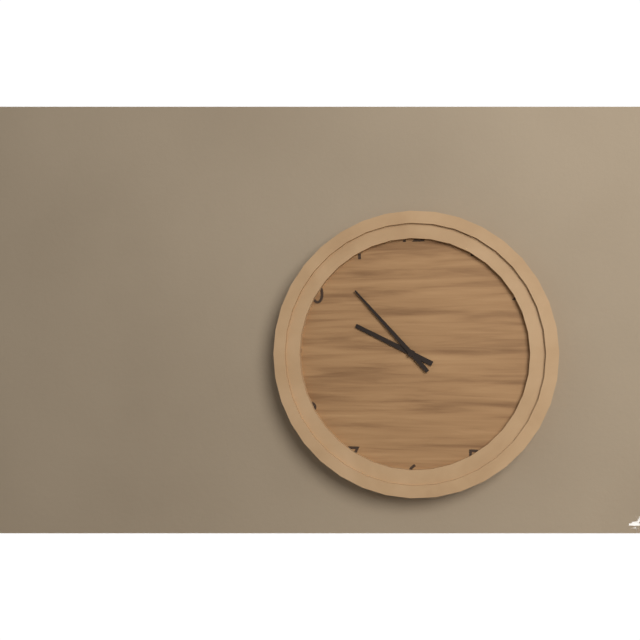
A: 9 h 53 min
